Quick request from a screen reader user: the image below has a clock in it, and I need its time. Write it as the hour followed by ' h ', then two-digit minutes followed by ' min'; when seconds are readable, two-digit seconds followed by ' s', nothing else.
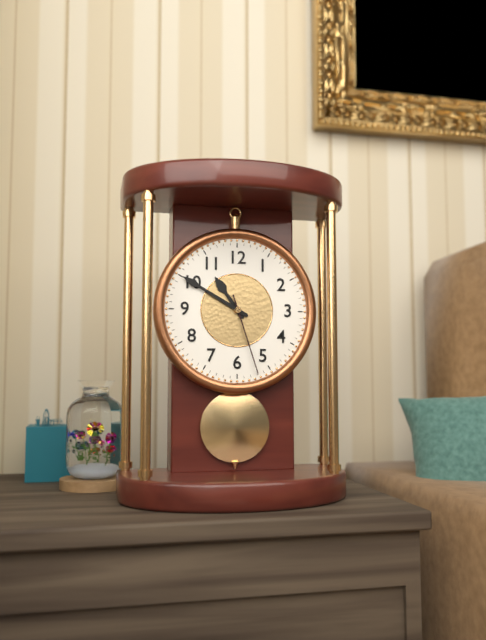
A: 10 h 50 min 27 s
